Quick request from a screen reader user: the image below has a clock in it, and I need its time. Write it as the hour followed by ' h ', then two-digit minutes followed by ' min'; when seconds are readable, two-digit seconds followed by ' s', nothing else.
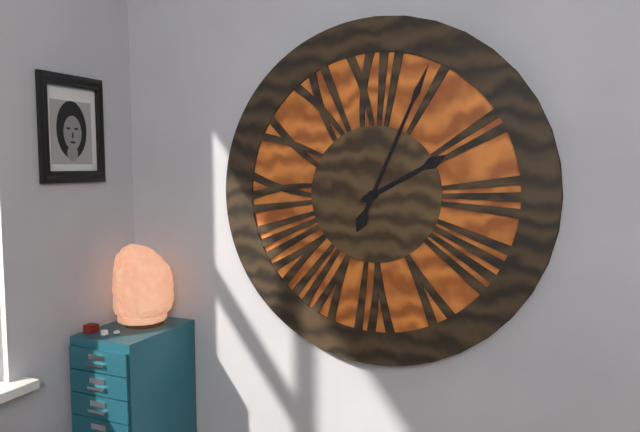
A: 2 h 04 min
